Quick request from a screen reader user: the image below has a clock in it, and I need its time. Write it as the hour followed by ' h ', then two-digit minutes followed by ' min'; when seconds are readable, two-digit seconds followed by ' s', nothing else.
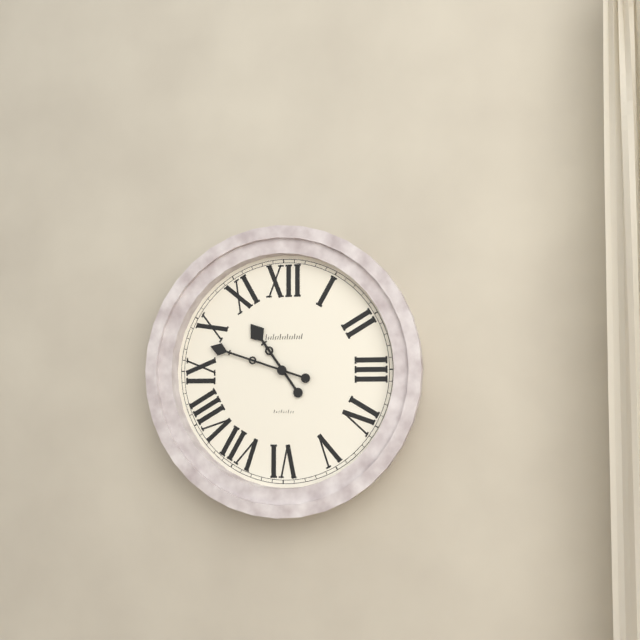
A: 10 h 48 min
